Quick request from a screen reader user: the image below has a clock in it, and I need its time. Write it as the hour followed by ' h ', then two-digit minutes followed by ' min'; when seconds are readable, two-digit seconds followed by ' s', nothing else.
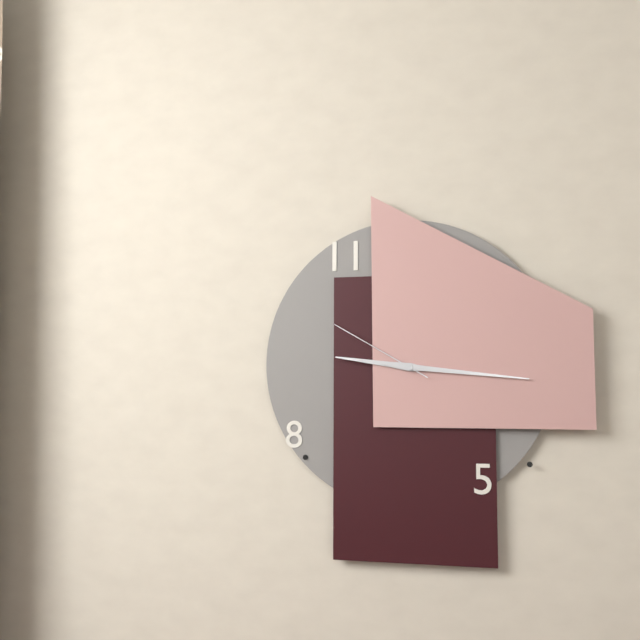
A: 9 h 16 min 50 s
